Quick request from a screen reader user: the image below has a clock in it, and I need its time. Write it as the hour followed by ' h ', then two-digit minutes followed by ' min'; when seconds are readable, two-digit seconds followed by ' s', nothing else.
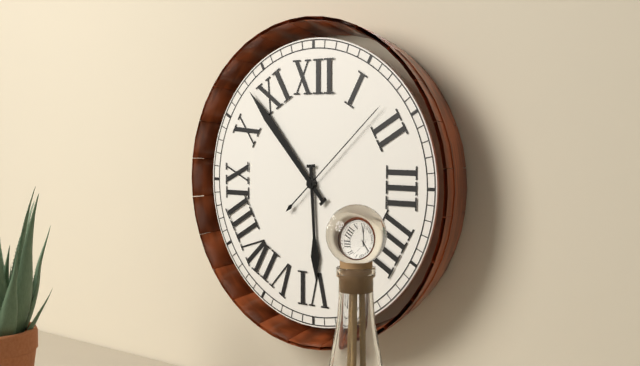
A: 5 h 53 min 08 s
